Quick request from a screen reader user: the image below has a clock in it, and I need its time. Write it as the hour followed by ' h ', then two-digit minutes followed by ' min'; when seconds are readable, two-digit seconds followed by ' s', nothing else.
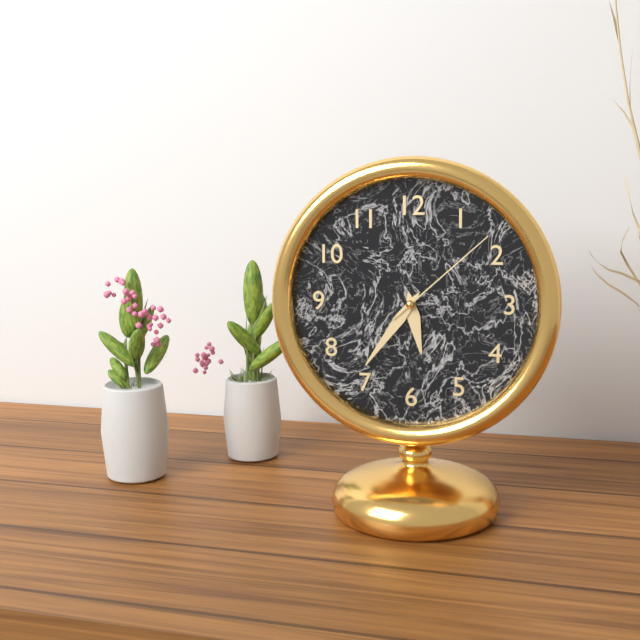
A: 5 h 36 min 08 s
